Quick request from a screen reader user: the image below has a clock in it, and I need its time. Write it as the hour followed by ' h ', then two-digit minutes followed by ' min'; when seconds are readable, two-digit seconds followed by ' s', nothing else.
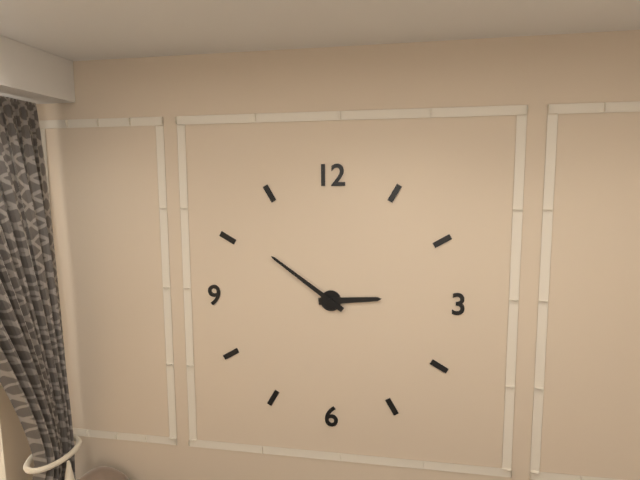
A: 2 h 51 min
